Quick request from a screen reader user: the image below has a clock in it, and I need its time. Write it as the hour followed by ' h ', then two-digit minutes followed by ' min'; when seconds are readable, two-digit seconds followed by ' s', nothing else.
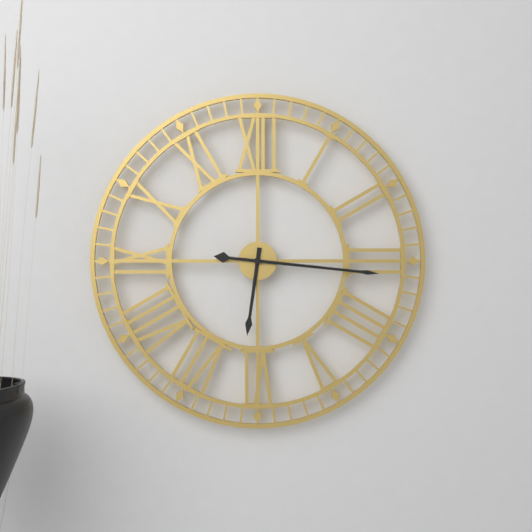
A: 6 h 16 min
